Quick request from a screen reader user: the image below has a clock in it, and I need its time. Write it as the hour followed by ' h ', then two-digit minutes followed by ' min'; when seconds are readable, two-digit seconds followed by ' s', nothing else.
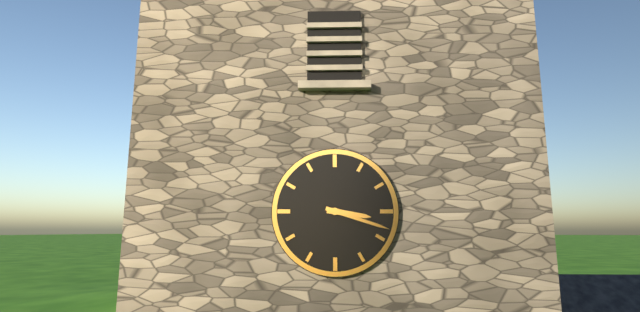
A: 3 h 18 min
